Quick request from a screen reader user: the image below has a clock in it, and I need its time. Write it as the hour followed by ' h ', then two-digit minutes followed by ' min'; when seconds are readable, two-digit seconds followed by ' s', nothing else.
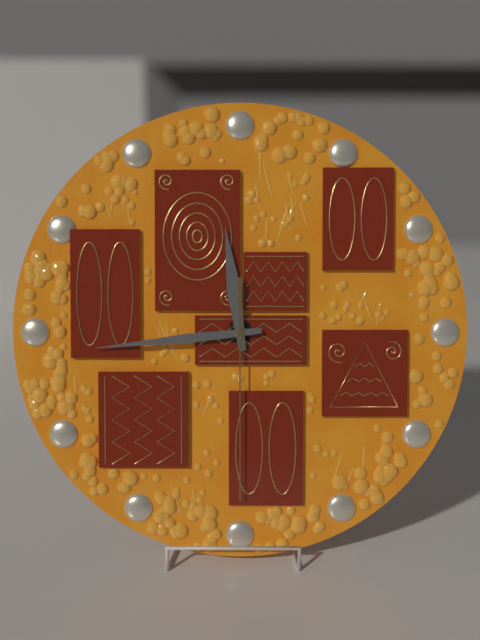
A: 11 h 44 min 30 s
